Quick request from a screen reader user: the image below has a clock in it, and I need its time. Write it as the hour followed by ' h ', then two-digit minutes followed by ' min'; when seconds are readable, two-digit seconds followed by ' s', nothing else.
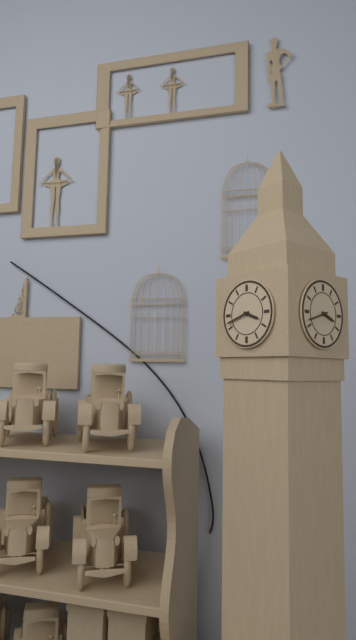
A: 3 h 42 min
